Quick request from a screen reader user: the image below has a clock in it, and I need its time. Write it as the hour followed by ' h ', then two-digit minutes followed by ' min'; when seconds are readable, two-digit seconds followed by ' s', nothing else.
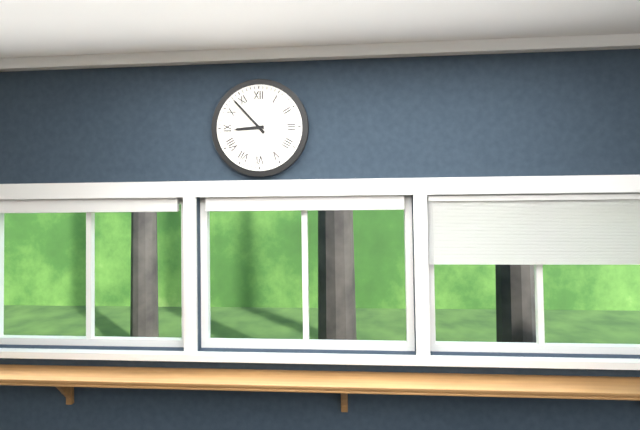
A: 8 h 53 min
